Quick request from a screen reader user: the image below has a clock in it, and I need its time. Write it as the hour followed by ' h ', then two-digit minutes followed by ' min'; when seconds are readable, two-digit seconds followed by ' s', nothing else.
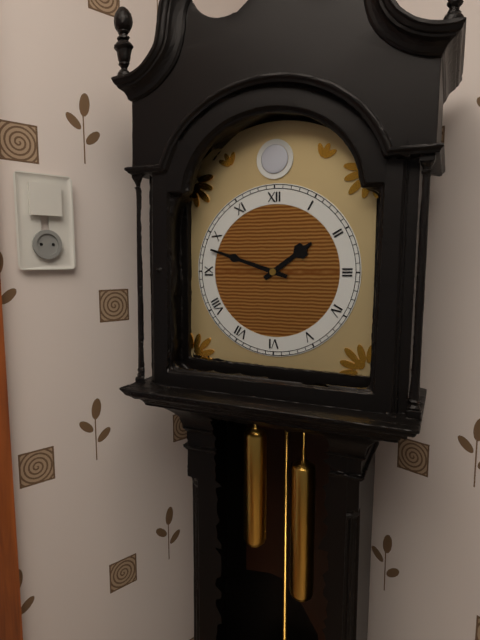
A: 1 h 48 min
